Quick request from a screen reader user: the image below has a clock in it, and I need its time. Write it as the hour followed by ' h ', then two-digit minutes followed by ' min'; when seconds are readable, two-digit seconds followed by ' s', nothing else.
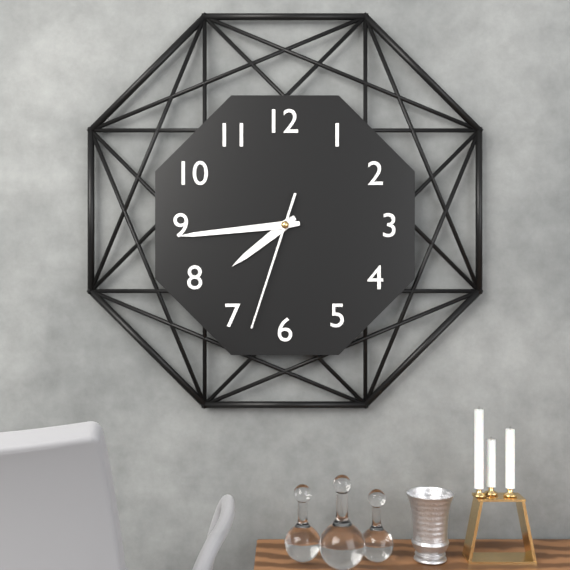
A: 7 h 44 min 33 s
